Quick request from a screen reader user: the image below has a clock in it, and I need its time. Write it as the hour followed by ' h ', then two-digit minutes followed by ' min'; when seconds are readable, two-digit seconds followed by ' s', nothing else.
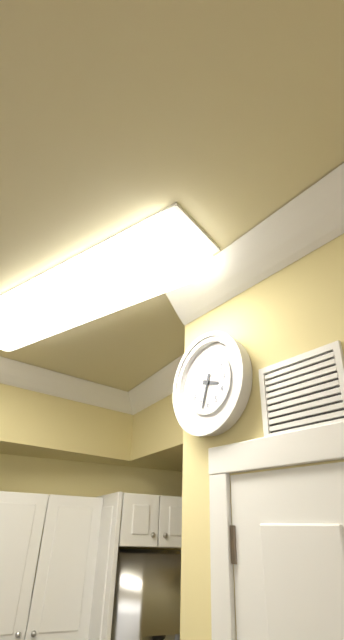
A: 3 h 33 min
